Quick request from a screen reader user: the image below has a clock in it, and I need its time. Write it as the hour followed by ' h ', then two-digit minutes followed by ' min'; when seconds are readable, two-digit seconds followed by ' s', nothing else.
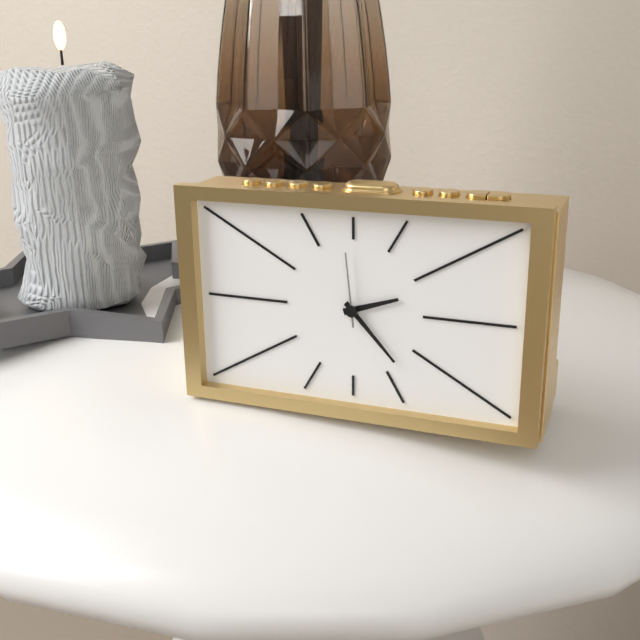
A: 2 h 23 min 59 s
